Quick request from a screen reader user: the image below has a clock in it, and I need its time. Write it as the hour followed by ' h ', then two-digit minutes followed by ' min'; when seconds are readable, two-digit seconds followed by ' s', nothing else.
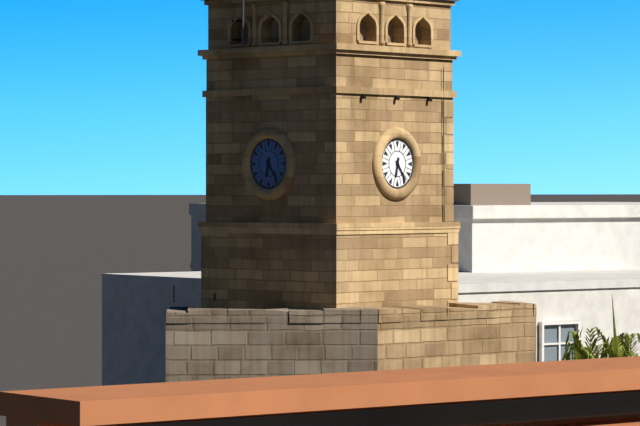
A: 6 h 24 min
